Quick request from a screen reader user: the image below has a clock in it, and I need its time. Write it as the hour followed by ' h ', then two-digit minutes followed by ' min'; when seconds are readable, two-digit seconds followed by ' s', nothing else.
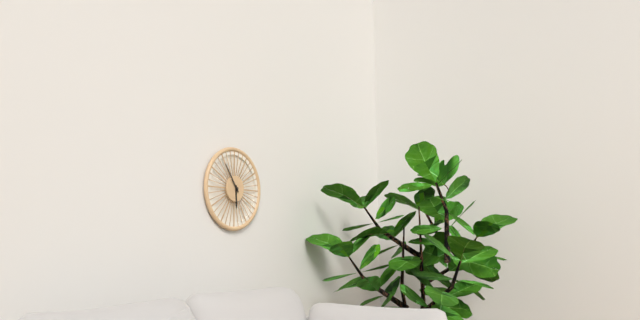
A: 5 h 54 min
